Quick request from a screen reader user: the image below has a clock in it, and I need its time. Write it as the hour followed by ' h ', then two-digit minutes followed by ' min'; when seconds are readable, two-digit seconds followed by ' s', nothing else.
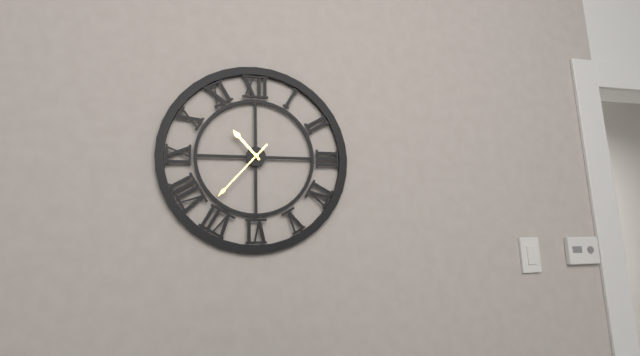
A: 10 h 37 min
